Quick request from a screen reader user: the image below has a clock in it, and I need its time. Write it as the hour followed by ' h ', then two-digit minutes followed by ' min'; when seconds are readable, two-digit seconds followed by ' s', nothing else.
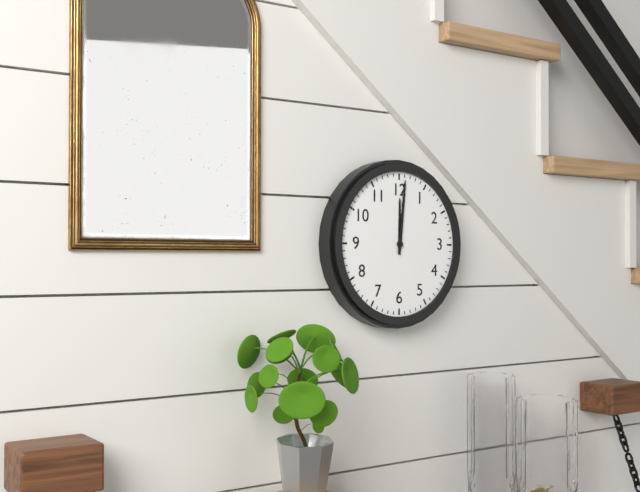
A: 12 h 01 min
